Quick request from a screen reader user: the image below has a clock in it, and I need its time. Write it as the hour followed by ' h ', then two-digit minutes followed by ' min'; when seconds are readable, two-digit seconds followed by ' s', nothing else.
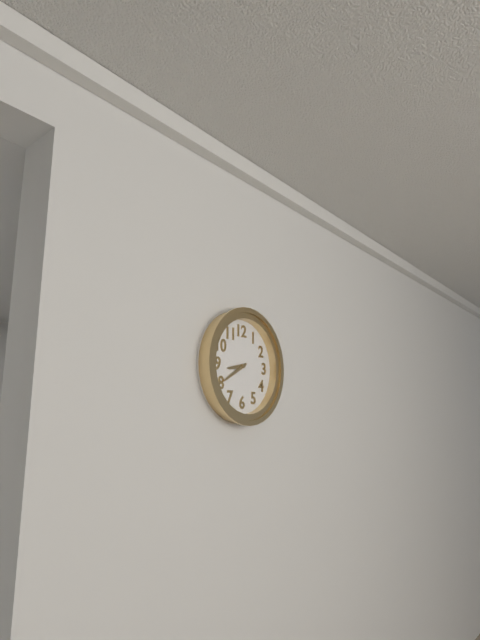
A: 8 h 40 min
